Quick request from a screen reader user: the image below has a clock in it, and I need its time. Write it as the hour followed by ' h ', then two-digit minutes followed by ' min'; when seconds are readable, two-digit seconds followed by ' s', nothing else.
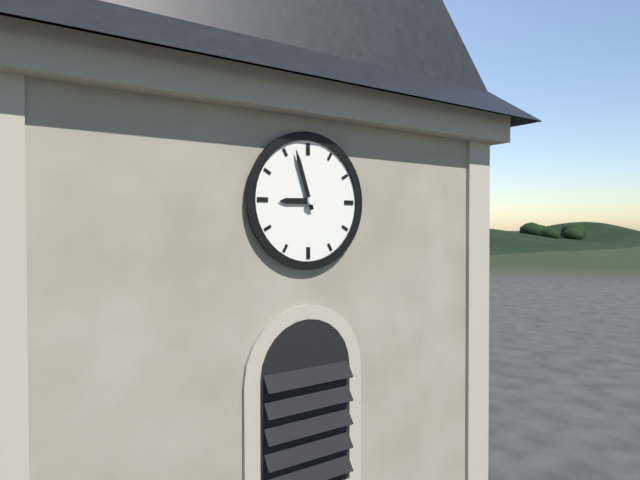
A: 8 h 57 min
